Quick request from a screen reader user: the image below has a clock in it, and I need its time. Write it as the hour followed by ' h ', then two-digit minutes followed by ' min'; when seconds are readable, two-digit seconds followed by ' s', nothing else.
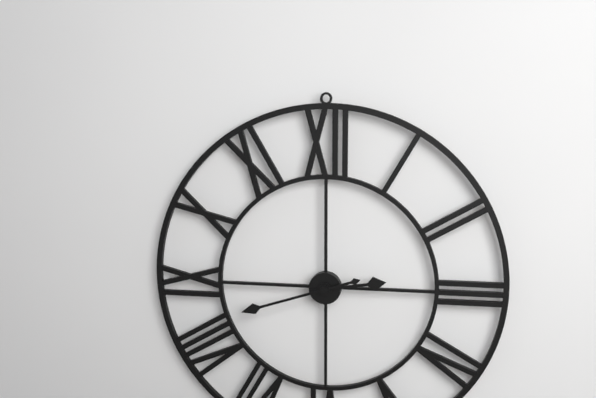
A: 2 h 42 min
